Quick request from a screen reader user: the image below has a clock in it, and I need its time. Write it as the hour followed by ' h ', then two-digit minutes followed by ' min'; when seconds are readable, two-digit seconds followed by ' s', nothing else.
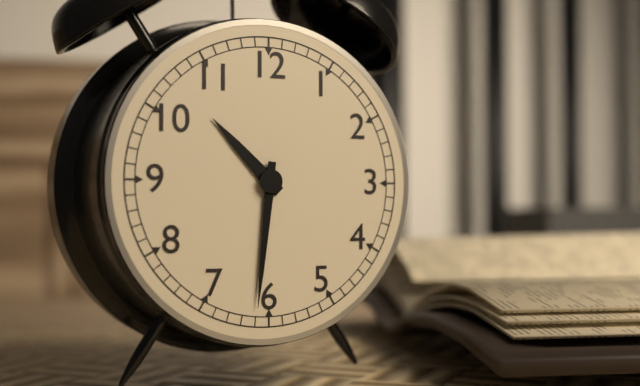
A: 10 h 31 min
